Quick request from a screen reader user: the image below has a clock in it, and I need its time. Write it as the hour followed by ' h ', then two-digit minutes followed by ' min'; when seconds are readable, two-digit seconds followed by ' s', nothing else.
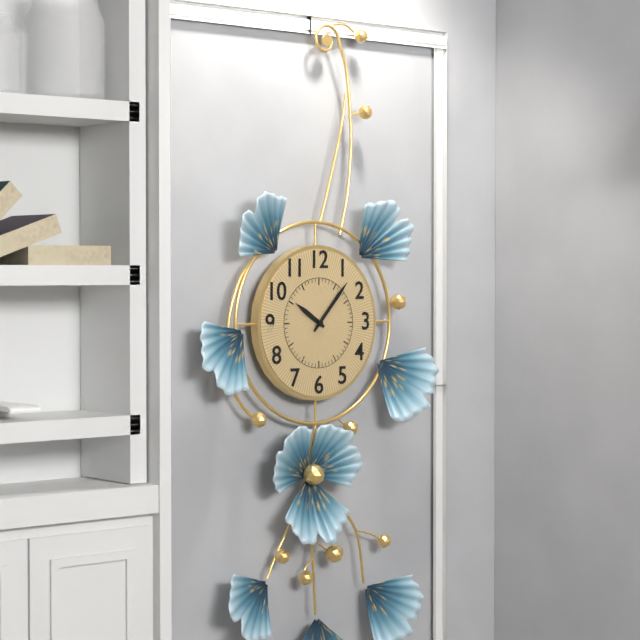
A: 10 h 07 min
